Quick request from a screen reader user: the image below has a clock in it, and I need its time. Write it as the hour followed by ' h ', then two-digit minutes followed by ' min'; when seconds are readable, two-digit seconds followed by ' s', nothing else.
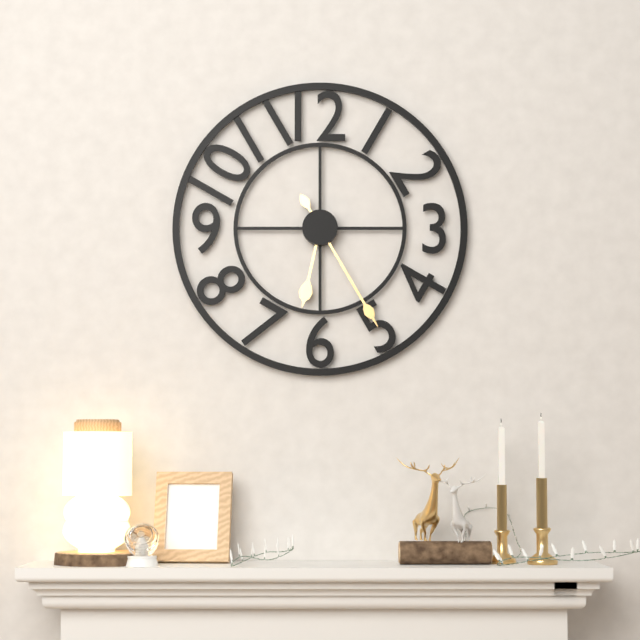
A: 6 h 25 min
